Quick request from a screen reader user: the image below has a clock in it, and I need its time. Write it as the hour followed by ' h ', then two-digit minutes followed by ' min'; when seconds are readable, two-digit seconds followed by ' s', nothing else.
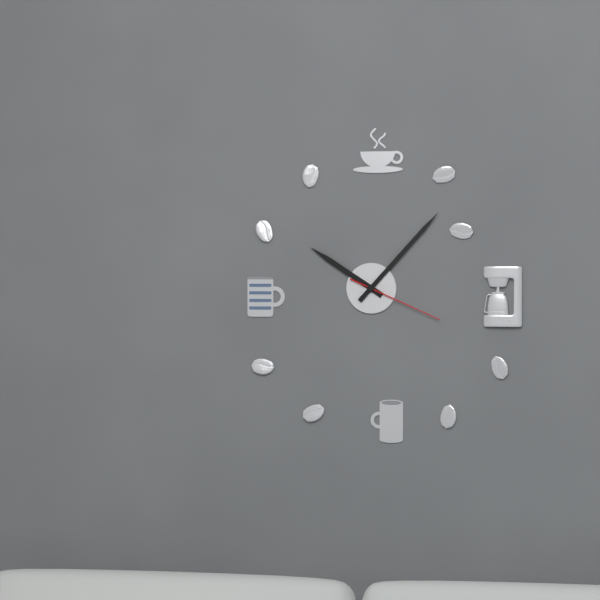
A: 10 h 07 min 19 s
